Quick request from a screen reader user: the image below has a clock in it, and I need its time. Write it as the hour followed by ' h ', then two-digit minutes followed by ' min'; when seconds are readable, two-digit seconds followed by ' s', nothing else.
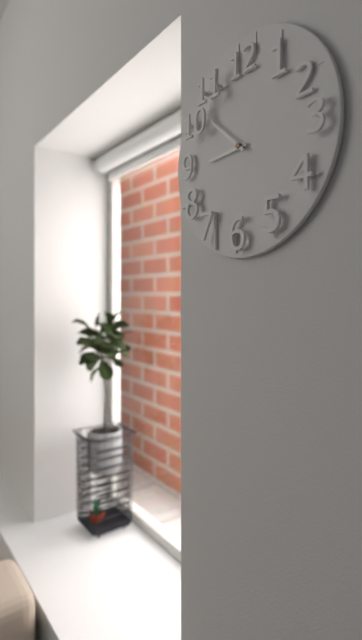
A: 8 h 52 min
